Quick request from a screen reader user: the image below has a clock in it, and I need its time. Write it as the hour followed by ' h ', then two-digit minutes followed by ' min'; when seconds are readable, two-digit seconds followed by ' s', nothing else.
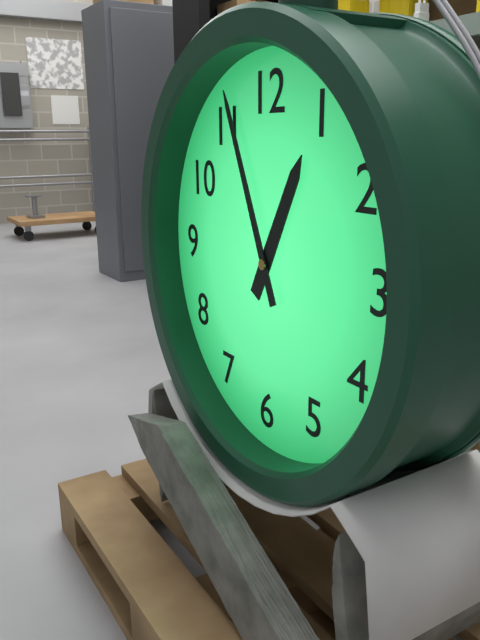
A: 12 h 56 min
